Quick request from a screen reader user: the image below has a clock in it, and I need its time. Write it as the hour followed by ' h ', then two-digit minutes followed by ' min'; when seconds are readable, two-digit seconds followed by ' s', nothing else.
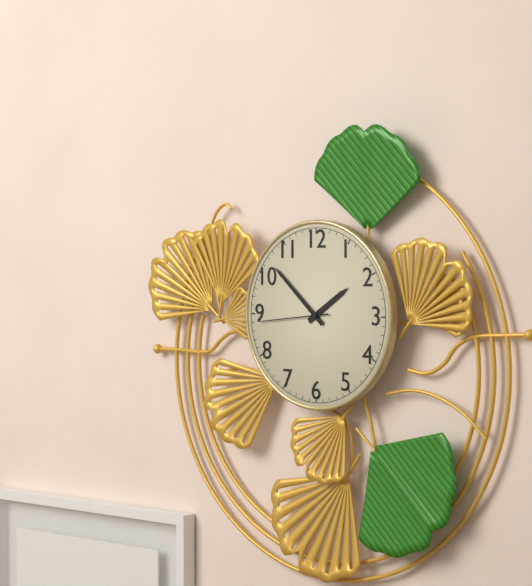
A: 1 h 52 min 44 s
